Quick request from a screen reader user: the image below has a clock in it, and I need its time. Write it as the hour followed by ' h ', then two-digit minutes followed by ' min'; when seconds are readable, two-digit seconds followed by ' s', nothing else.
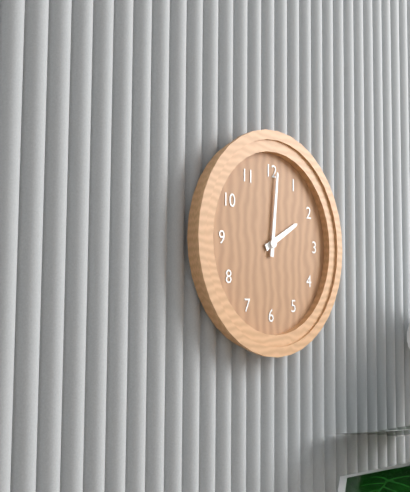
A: 2 h 01 min
